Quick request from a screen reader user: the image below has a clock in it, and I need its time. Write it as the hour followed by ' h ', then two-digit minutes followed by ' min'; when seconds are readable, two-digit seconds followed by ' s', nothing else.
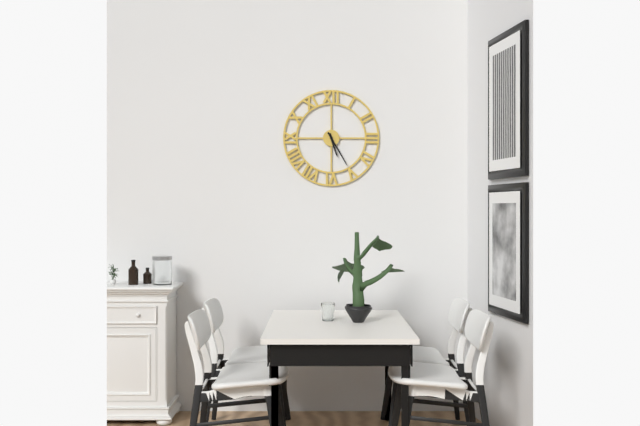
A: 5 h 25 min
